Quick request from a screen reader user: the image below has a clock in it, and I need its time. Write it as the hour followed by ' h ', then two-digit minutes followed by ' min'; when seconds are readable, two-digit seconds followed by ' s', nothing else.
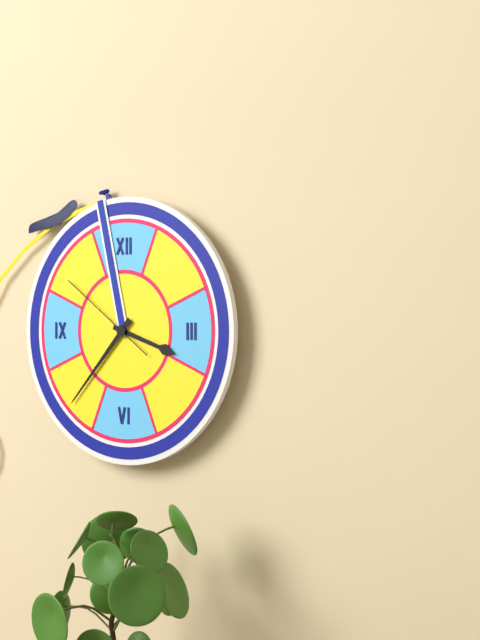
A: 3 h 37 min 51 s
